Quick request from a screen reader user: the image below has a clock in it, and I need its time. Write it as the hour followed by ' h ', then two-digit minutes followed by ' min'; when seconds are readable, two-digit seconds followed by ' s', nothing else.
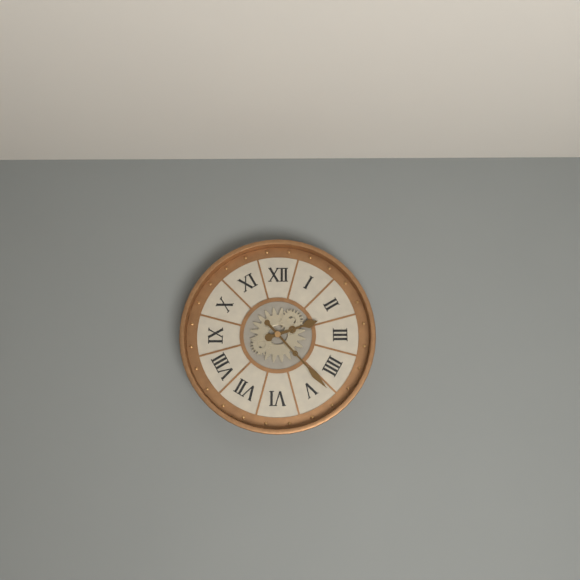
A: 2 h 23 min
